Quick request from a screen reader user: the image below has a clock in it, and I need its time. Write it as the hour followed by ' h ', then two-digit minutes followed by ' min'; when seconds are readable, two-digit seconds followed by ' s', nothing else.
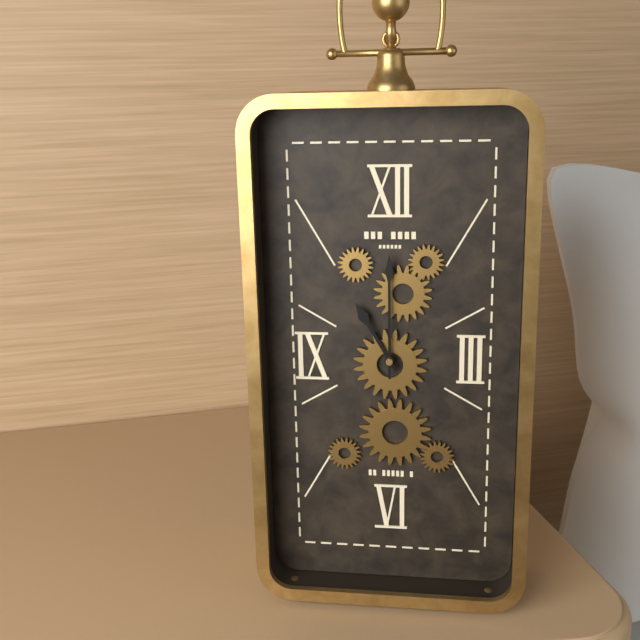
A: 11 h 00 min
